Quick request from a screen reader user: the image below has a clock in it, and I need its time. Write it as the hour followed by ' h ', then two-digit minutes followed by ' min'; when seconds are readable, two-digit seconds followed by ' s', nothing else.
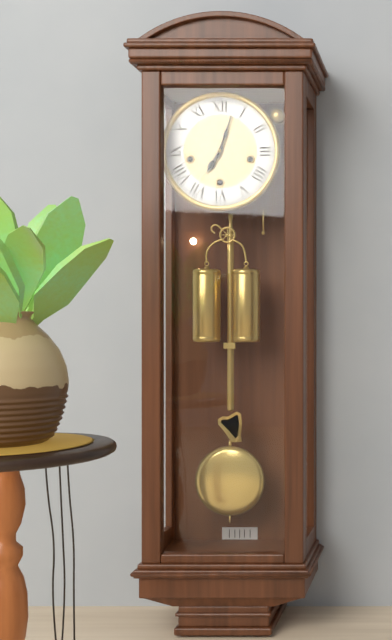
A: 7 h 03 min
